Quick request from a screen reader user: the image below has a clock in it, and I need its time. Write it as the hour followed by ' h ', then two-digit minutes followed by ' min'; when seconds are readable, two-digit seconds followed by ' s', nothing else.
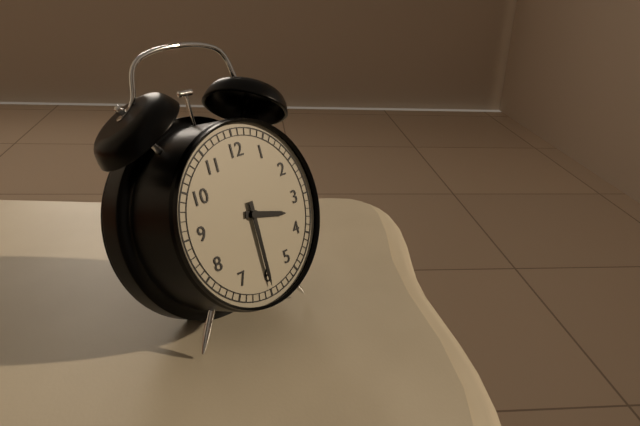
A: 3 h 30 min
